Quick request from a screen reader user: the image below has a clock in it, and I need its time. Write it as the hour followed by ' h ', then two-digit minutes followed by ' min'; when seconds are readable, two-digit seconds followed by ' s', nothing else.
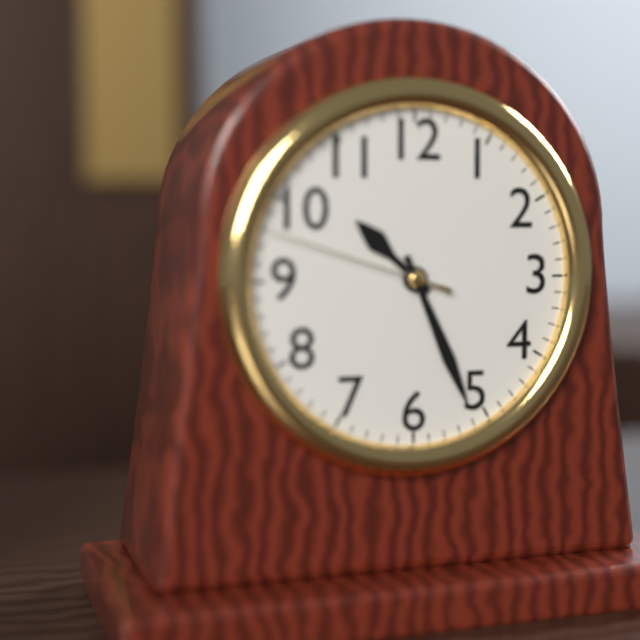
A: 10 h 26 min 48 s
